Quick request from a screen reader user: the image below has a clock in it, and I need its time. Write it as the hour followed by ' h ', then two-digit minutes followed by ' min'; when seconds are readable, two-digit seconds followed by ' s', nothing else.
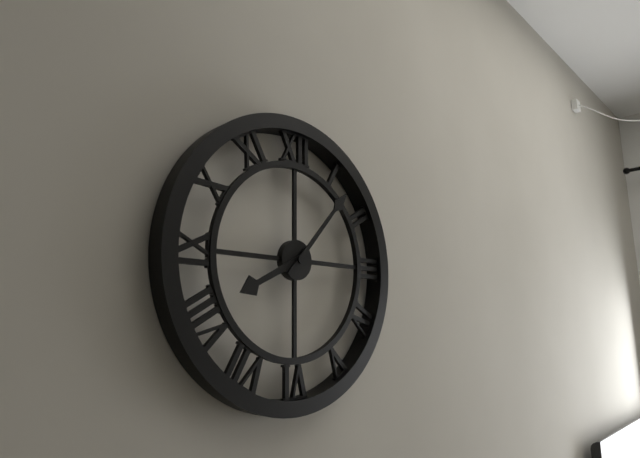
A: 8 h 07 min
